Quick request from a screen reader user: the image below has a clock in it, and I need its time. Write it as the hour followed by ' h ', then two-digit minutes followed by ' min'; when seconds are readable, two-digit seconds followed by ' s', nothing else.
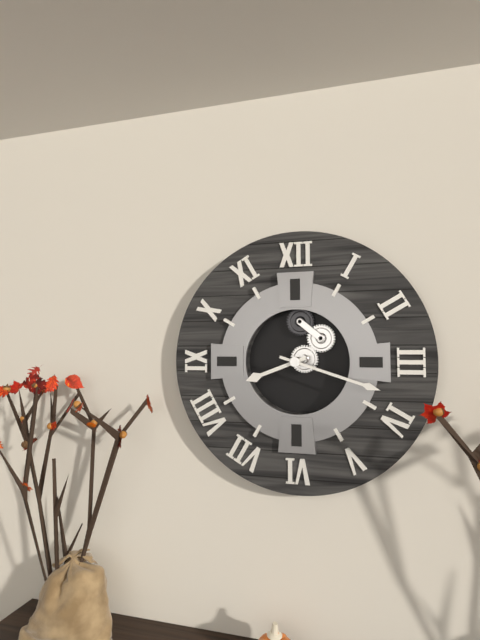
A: 8 h 18 min
